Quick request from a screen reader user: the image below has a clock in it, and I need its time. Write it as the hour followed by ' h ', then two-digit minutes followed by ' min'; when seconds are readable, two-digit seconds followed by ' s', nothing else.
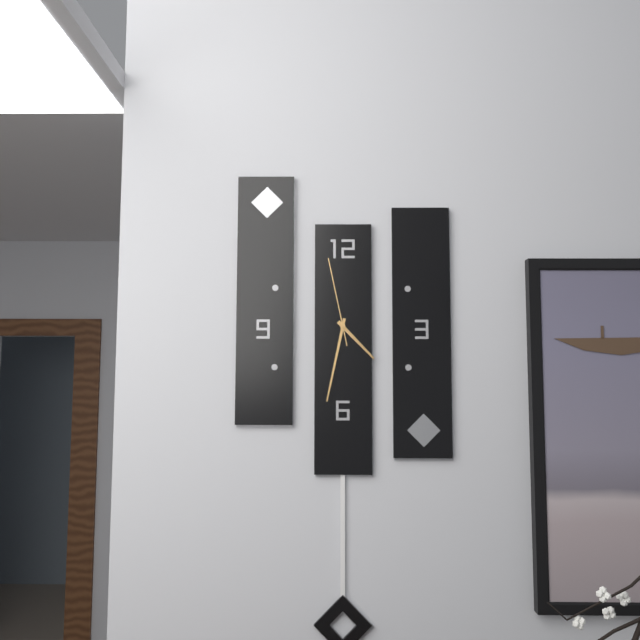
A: 4 h 32 min 58 s
